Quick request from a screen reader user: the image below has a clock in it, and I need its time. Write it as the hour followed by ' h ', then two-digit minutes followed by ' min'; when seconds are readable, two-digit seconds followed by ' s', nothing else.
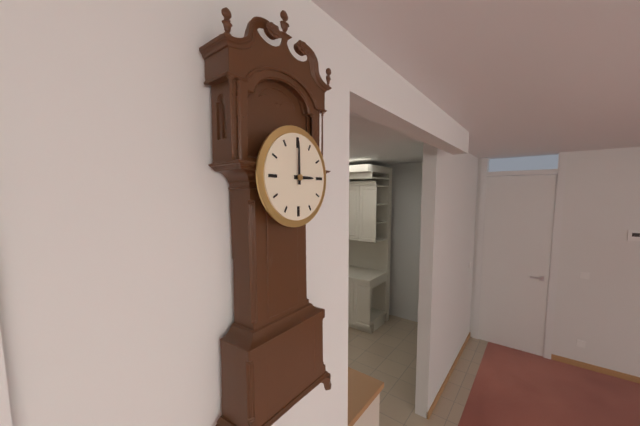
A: 3 h 00 min
